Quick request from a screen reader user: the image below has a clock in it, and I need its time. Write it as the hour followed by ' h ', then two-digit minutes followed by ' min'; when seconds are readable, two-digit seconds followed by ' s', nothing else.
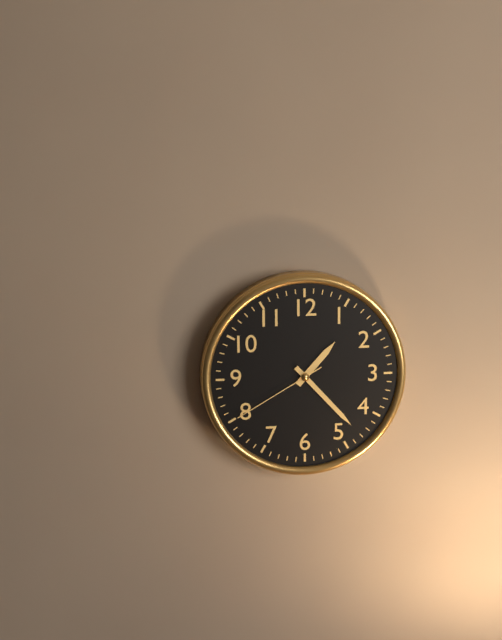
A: 1 h 23 min 40 s
